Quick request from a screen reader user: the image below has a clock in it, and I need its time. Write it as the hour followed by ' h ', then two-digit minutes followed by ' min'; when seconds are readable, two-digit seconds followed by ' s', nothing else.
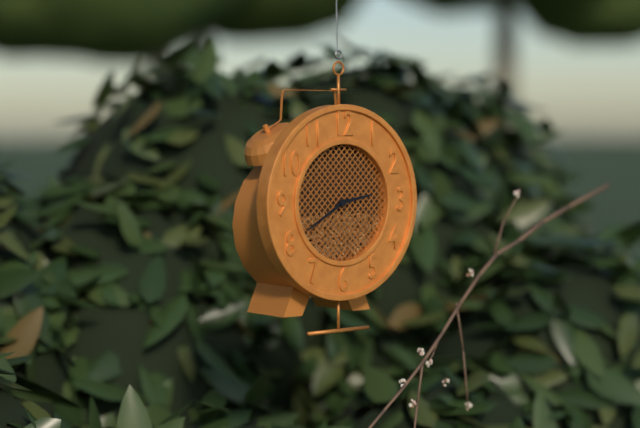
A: 2 h 40 min
